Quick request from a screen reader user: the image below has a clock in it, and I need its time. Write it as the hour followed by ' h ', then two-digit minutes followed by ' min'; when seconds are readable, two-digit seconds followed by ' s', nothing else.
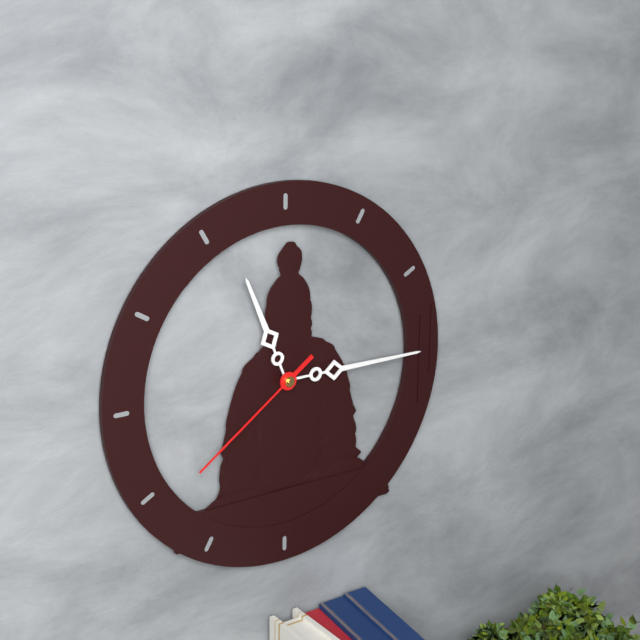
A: 11 h 15 min 39 s
